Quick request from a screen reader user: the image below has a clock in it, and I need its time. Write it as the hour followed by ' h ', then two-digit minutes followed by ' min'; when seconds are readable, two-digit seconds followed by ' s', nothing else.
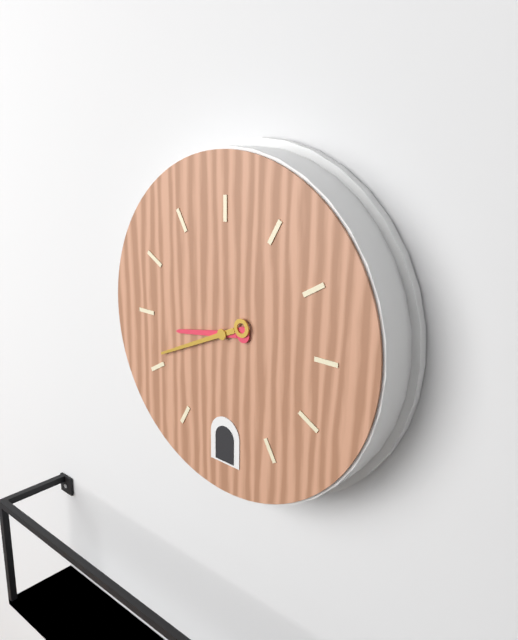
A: 8 h 41 min
